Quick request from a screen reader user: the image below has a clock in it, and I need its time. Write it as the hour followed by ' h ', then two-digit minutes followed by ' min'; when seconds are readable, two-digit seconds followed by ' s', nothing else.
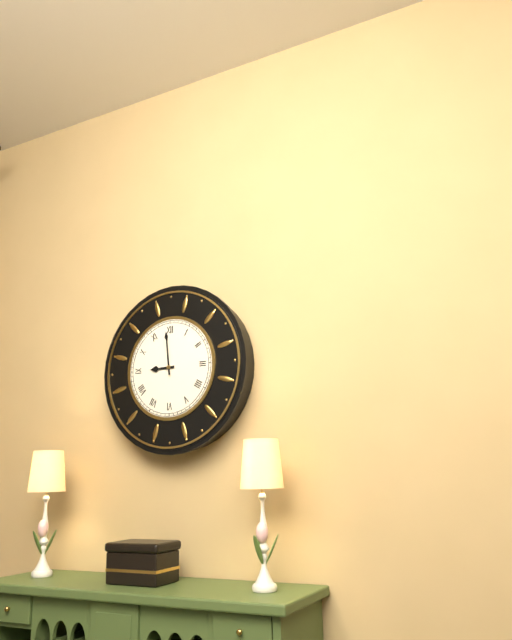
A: 8 h 59 min
